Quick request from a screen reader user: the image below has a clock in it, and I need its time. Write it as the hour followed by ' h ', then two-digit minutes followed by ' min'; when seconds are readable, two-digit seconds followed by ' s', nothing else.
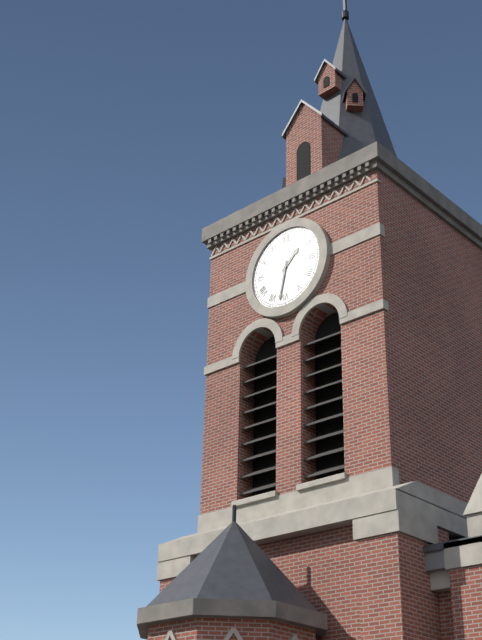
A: 1 h 32 min
